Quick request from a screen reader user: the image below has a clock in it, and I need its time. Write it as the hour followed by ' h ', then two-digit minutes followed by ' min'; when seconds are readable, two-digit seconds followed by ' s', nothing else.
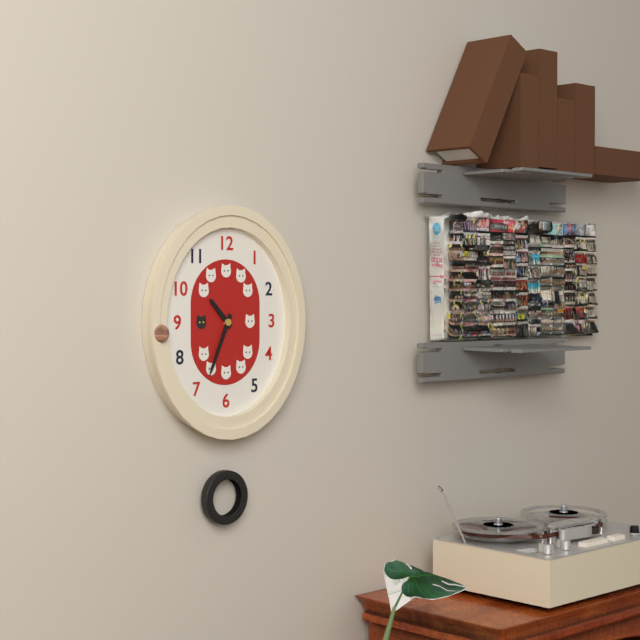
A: 10 h 34 min
